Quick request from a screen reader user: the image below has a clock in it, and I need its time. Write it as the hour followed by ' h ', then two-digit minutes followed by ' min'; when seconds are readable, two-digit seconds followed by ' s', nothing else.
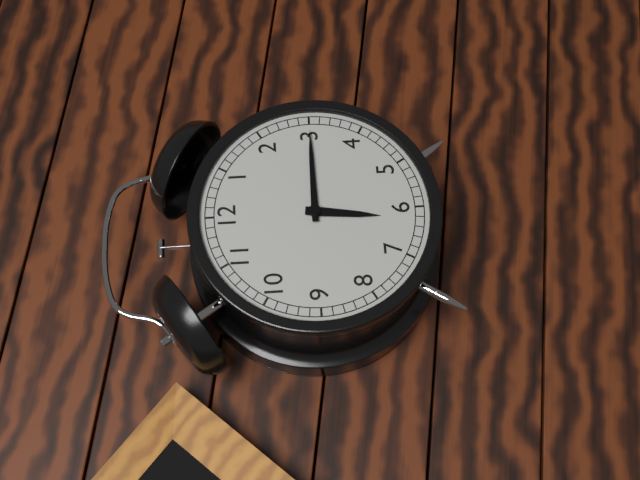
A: 6 h 15 min
